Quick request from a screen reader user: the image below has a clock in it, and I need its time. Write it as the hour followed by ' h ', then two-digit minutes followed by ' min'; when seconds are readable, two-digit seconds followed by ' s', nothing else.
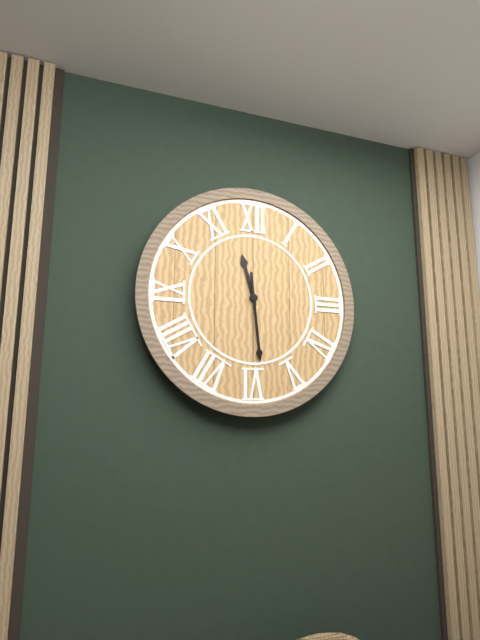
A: 11 h 29 min
